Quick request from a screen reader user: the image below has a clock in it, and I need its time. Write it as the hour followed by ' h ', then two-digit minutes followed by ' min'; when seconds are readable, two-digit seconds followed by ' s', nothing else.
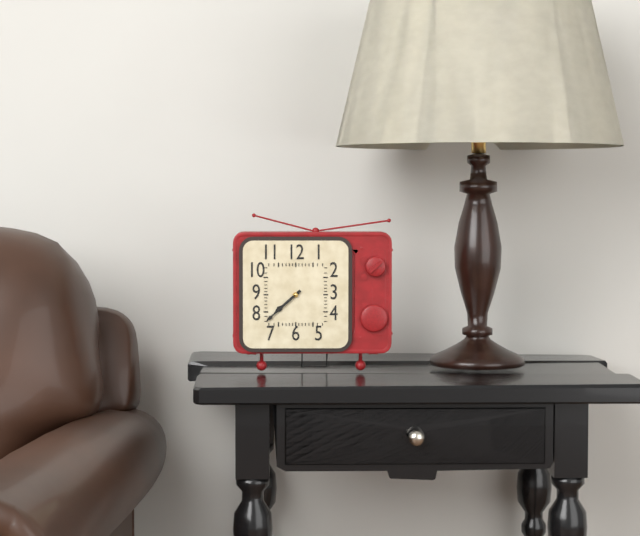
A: 7 h 38 min
